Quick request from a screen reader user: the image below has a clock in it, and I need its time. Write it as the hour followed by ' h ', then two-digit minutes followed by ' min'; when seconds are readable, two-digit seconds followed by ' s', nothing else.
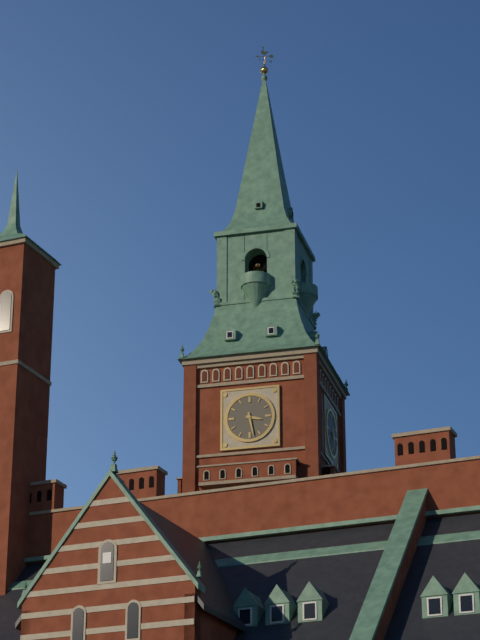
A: 3 h 28 min
